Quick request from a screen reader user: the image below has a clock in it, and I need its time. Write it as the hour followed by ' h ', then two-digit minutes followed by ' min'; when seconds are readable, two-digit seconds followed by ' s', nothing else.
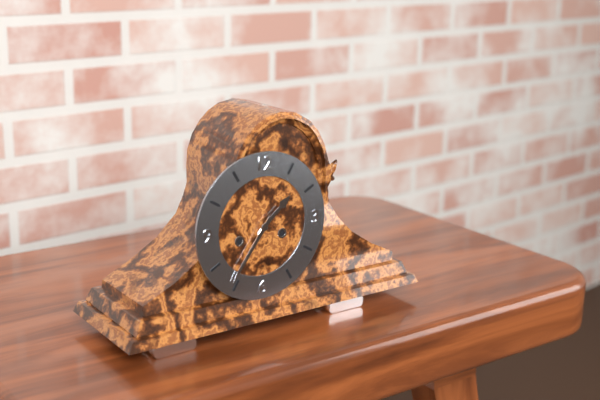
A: 1 h 36 min
